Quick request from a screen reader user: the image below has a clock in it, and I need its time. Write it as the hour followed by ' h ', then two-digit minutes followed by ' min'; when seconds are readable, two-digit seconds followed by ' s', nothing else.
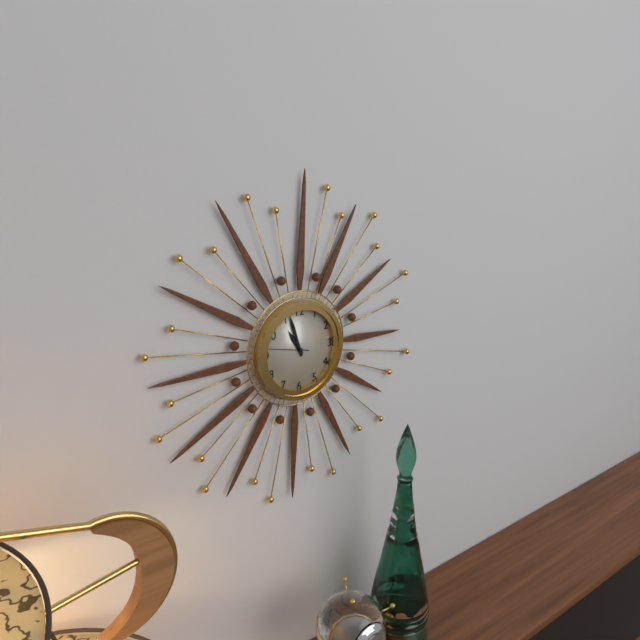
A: 10 h 57 min
